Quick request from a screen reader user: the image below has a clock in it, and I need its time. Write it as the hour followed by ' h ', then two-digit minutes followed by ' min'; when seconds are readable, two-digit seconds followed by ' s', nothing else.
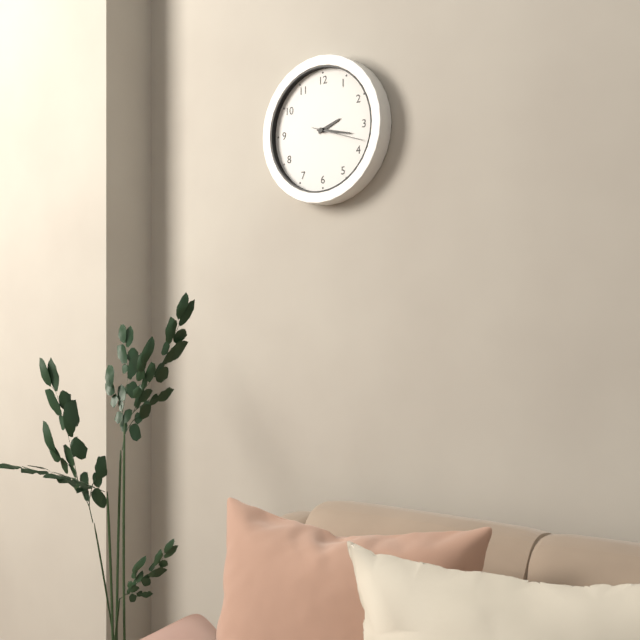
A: 2 h 17 min 18 s
